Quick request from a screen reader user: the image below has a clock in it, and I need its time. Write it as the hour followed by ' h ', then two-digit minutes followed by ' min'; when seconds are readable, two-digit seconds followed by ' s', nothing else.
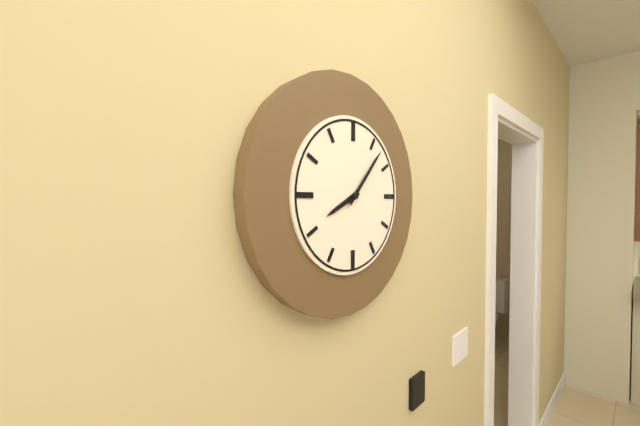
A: 8 h 07 min
